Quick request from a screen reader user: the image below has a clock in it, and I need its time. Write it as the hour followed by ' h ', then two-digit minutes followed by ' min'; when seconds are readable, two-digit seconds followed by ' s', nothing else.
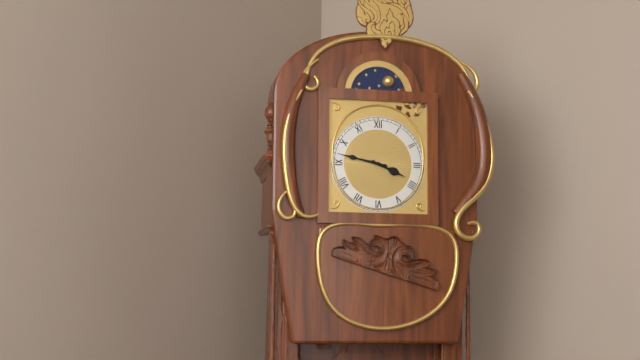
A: 3 h 47 min
